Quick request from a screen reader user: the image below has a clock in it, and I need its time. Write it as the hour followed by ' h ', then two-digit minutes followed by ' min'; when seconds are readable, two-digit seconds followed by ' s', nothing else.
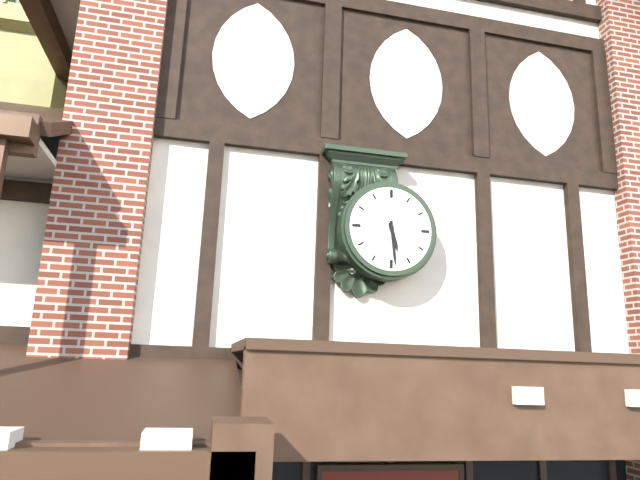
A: 5 h 29 min
